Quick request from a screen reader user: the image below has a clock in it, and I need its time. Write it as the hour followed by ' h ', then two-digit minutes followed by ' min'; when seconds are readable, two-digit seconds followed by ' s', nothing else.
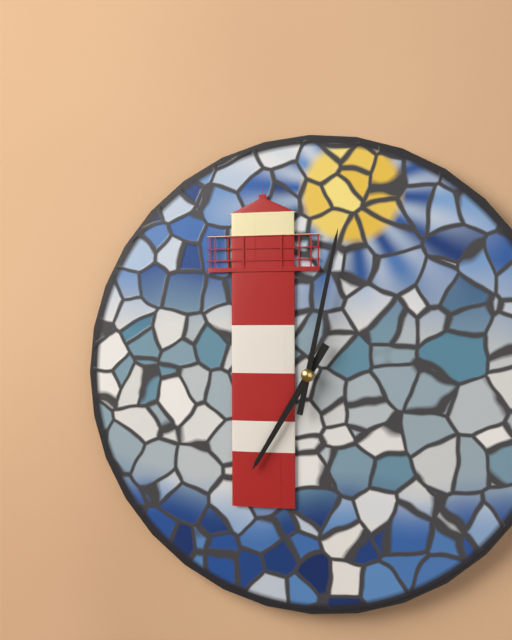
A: 7 h 02 min
